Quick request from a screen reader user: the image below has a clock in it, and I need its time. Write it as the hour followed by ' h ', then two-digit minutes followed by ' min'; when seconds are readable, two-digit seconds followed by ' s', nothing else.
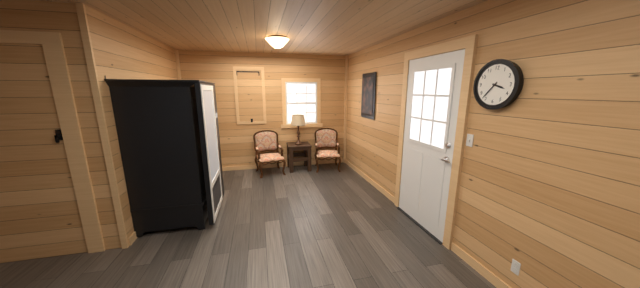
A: 3 h 37 min
